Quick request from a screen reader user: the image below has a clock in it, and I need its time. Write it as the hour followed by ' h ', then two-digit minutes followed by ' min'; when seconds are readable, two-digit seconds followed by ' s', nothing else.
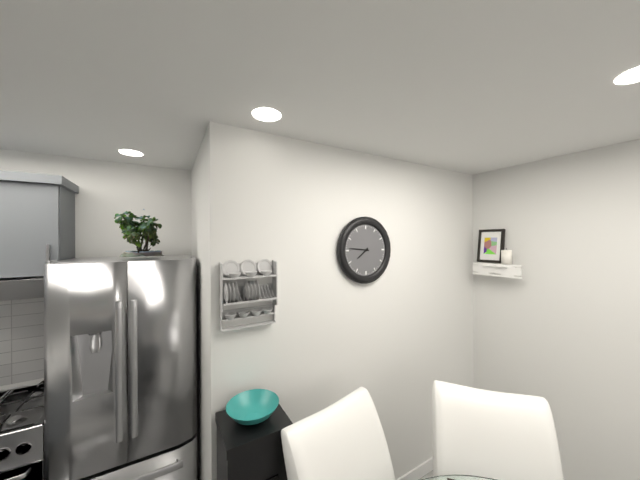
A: 7 h 46 min
